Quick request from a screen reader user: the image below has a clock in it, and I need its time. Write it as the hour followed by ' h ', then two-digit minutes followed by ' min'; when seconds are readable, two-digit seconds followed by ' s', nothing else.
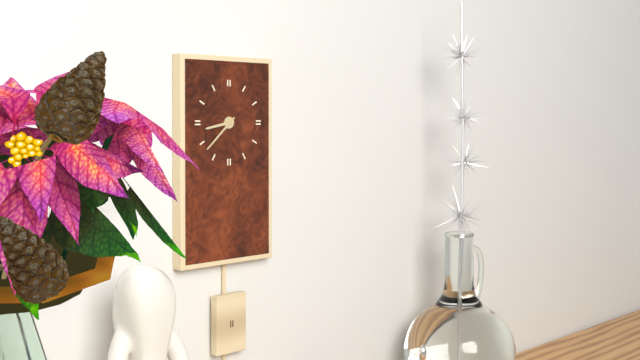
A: 8 h 38 min
